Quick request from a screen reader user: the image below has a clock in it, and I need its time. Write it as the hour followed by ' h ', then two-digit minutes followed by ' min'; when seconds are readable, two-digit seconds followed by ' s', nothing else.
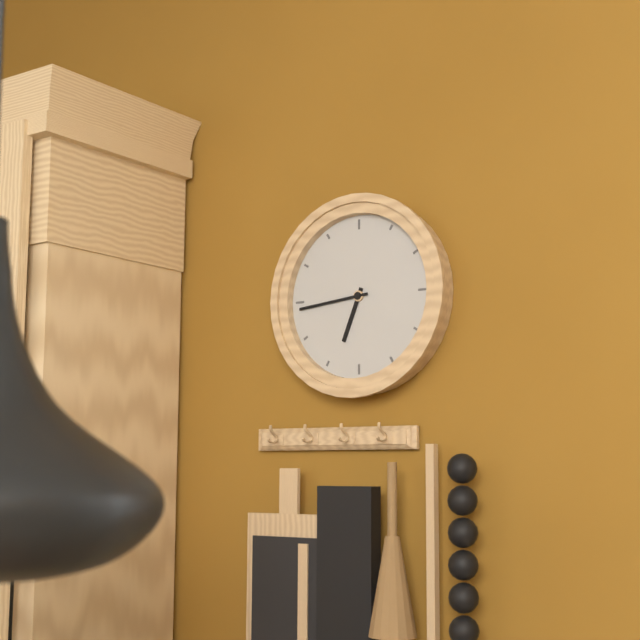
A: 6 h 44 min
